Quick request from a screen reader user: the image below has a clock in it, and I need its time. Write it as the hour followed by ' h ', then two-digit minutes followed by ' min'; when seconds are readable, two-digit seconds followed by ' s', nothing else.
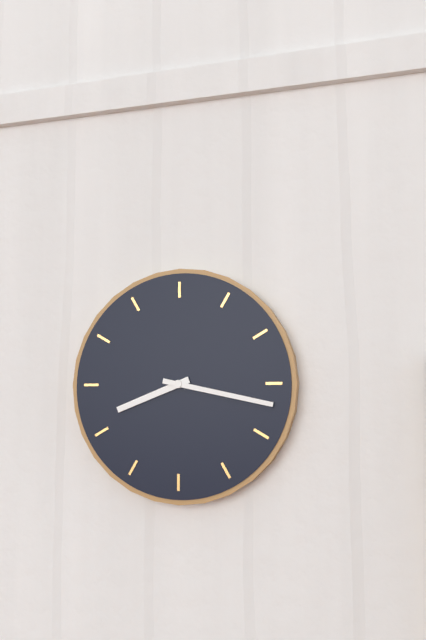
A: 8 h 17 min
